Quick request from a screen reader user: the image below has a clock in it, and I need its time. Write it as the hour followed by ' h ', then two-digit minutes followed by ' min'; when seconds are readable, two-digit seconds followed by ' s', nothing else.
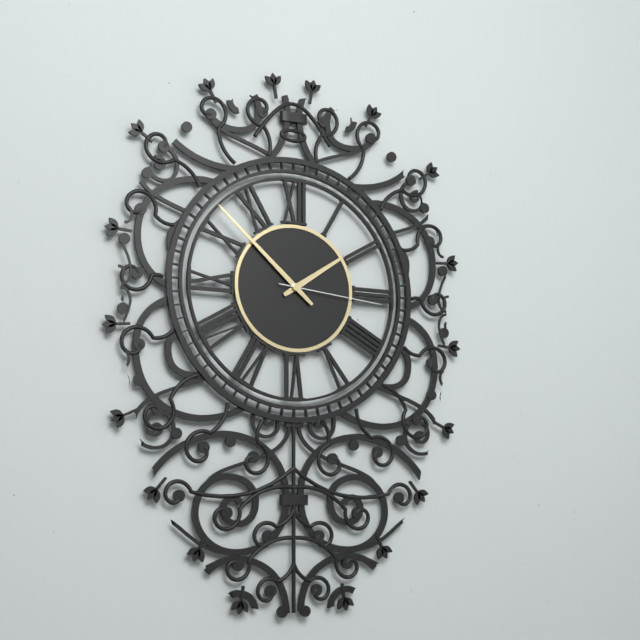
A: 1 h 52 min 16 s
